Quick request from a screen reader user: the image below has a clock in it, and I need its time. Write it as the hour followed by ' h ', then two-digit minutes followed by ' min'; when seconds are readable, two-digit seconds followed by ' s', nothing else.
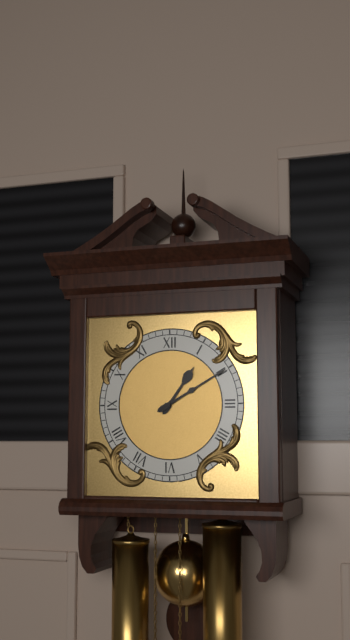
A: 1 h 10 min
